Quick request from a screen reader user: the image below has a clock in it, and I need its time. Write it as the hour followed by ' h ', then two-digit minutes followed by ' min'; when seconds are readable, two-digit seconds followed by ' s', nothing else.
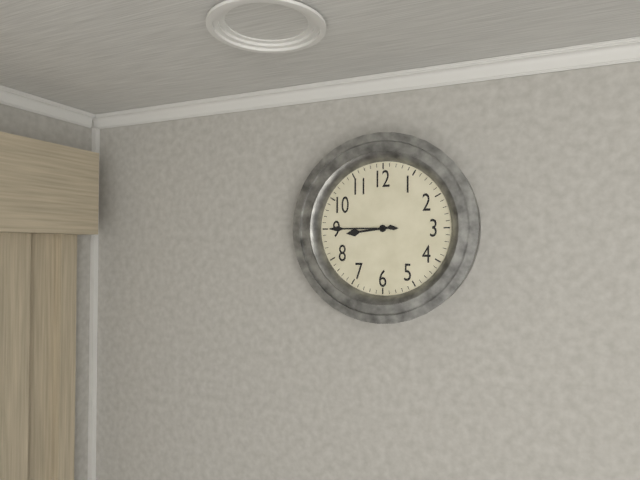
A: 8 h 45 min
